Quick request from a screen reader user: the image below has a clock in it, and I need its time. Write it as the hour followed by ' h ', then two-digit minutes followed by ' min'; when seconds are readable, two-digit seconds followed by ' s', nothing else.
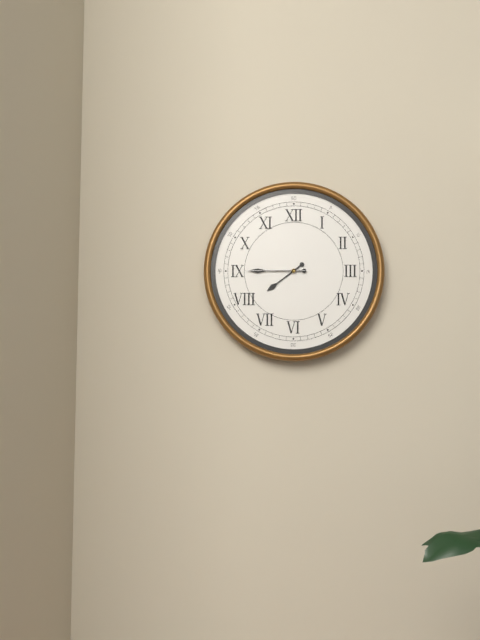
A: 7 h 45 min 45 s
